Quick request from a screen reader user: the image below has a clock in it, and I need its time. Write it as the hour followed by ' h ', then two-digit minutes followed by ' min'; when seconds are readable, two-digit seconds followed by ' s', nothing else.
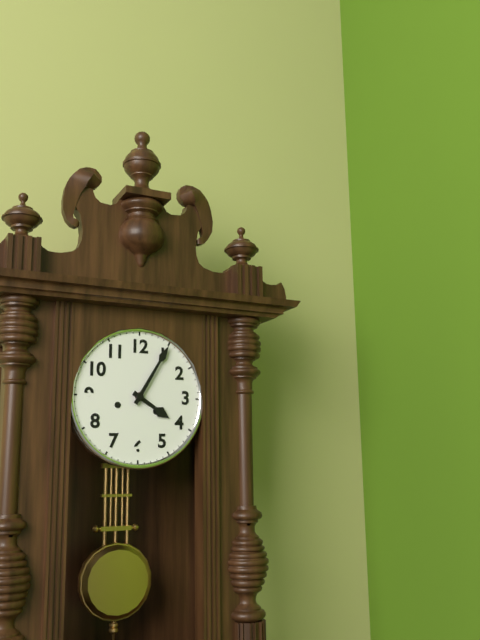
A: 4 h 05 min
